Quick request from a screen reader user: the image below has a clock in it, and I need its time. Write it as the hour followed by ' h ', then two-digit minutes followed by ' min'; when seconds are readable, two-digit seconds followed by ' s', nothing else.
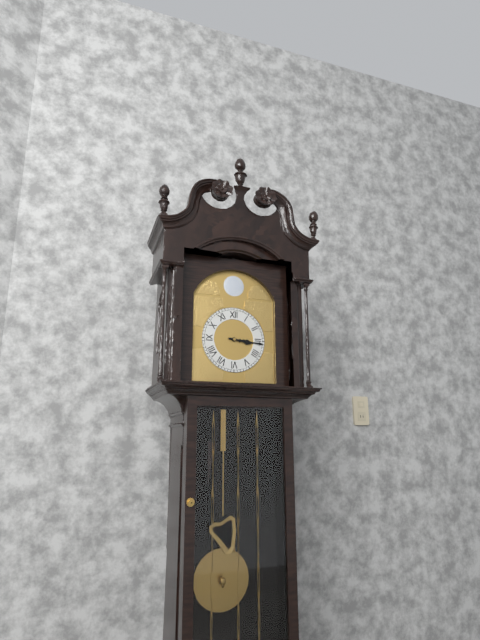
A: 3 h 16 min
